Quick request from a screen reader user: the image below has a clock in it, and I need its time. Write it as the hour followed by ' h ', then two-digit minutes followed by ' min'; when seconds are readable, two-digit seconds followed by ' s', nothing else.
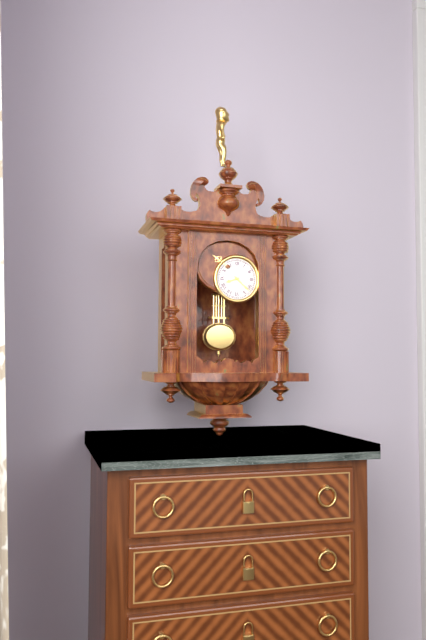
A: 8 h 22 min
